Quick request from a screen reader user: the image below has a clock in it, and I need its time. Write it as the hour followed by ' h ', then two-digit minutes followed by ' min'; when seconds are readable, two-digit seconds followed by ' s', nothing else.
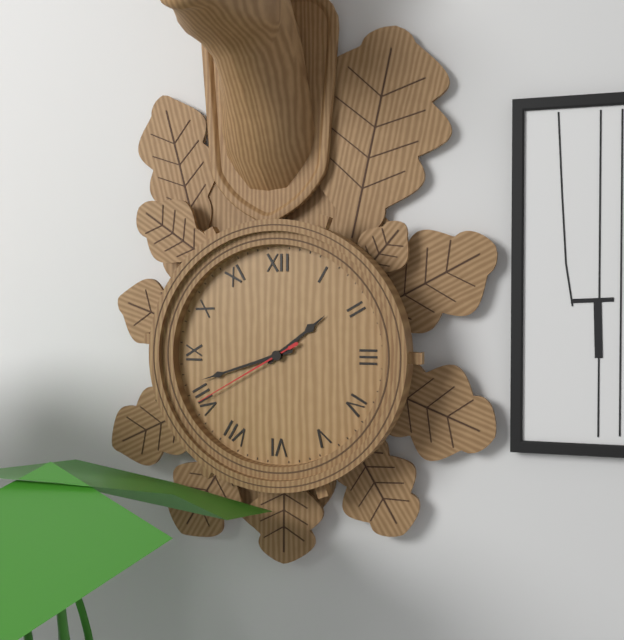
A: 1 h 42 min 40 s
